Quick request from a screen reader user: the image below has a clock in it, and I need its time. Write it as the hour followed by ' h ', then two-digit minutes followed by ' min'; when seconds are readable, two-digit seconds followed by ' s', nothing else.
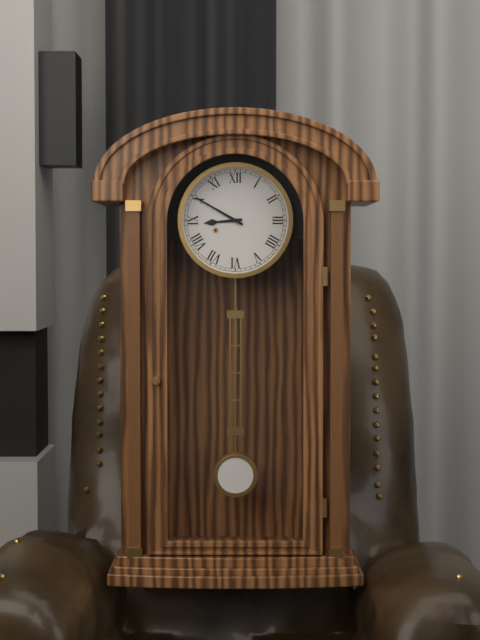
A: 8 h 50 min
